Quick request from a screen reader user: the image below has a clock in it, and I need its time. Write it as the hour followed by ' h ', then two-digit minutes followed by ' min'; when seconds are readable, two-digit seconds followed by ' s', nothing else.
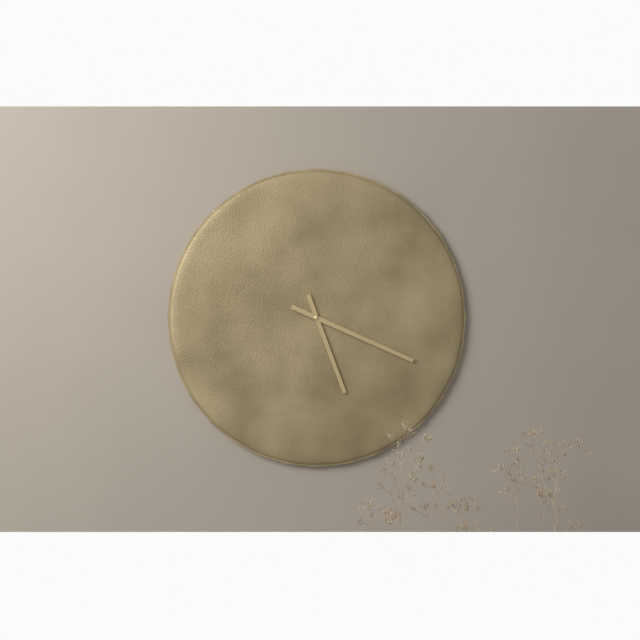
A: 5 h 19 min
